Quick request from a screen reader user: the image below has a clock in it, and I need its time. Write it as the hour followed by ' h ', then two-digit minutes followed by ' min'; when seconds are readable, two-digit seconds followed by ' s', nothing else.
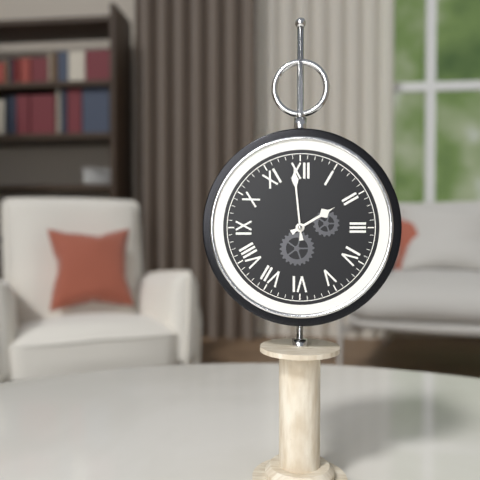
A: 1 h 59 min
